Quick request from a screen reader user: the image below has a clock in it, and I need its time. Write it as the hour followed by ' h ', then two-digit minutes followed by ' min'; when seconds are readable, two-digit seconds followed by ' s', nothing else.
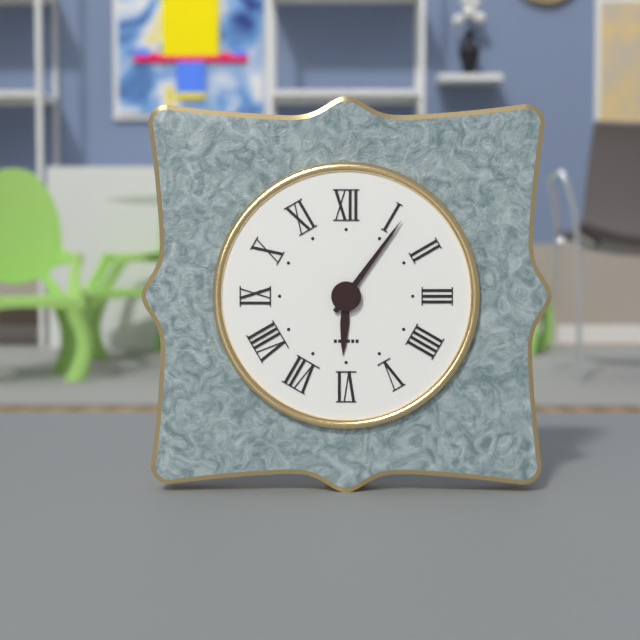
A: 6 h 06 min
